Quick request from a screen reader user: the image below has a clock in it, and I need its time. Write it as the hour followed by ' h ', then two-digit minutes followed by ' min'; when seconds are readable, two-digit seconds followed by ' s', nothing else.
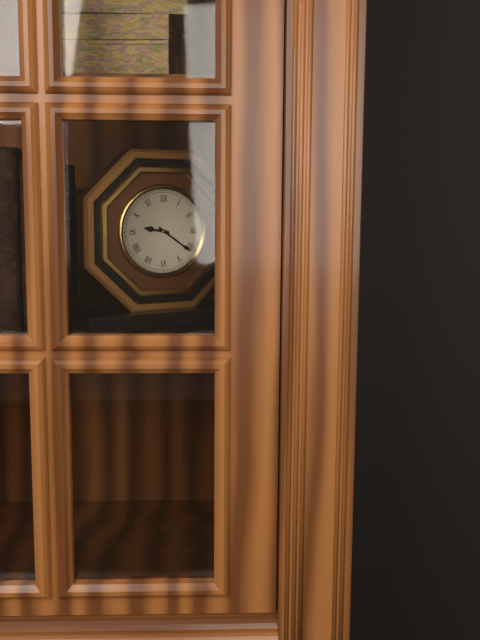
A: 9 h 21 min
